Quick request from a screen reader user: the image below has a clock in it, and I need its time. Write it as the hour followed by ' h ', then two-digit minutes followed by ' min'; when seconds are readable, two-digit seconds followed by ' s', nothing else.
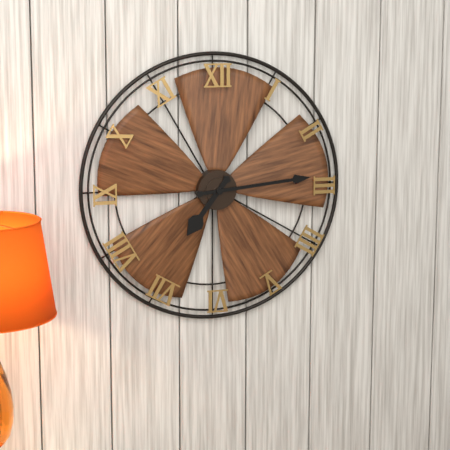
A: 7 h 14 min
